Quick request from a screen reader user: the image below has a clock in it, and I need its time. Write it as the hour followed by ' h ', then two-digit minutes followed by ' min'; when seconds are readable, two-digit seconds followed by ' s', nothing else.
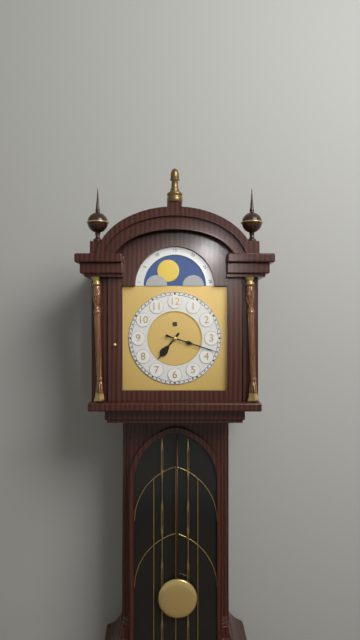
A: 7 h 18 min
